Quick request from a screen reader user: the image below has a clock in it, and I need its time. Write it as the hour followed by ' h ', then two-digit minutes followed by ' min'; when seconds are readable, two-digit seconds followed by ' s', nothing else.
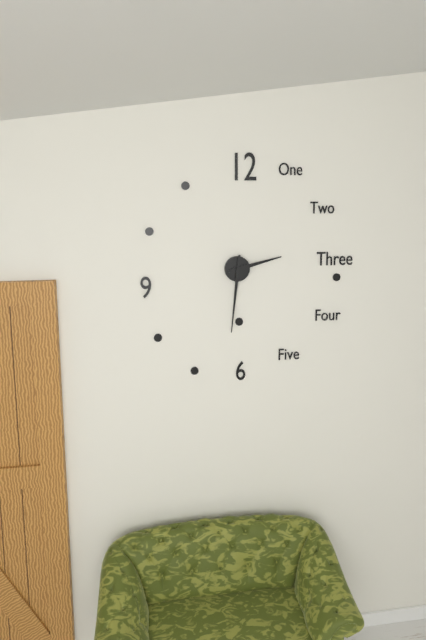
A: 2 h 31 min
